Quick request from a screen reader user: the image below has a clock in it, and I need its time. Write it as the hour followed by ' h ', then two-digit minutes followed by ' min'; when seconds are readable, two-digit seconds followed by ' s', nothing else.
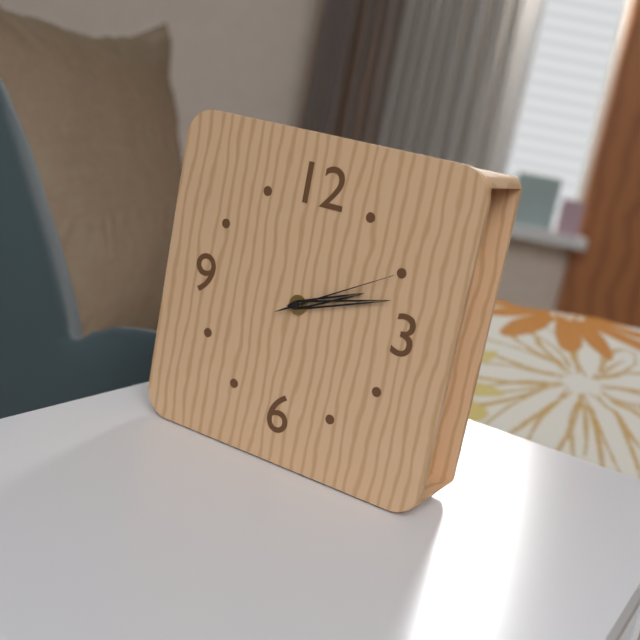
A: 2 h 12 min 10 s
